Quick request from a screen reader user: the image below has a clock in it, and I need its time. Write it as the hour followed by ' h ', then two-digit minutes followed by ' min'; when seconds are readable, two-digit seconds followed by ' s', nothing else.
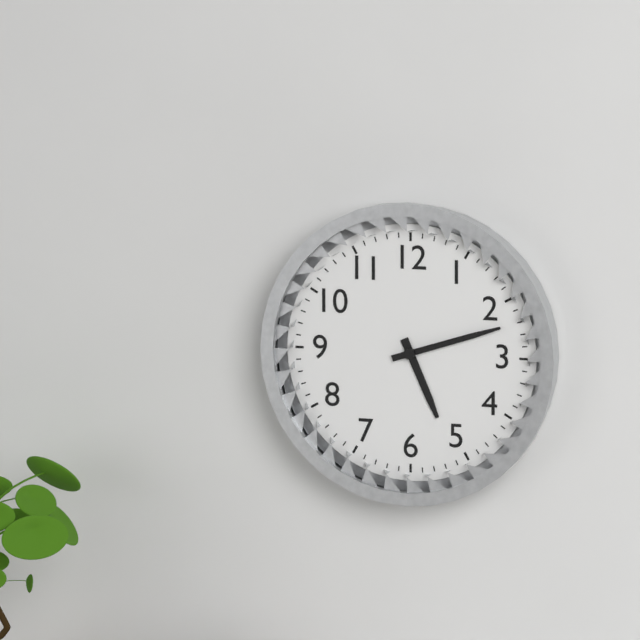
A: 5 h 12 min
